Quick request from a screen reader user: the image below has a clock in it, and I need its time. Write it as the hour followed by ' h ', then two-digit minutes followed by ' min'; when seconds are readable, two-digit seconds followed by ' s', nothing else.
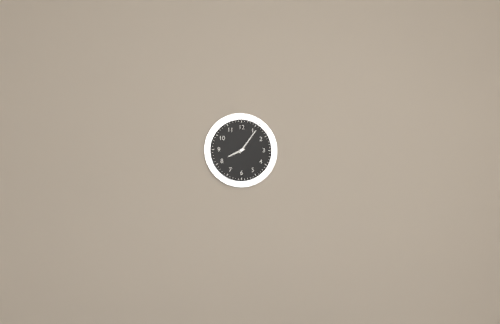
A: 8 h 06 min
